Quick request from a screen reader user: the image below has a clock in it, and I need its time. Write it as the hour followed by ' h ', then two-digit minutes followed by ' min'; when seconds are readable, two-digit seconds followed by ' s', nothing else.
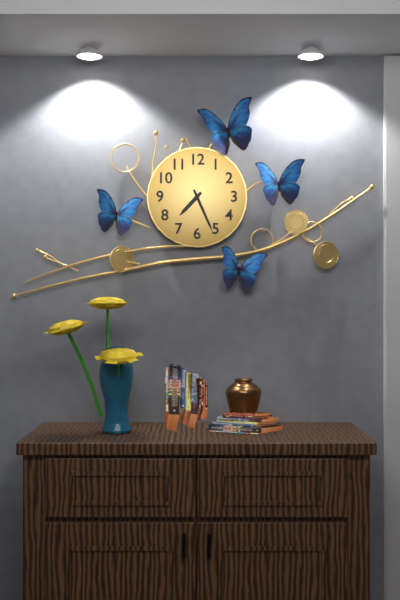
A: 7 h 26 min
